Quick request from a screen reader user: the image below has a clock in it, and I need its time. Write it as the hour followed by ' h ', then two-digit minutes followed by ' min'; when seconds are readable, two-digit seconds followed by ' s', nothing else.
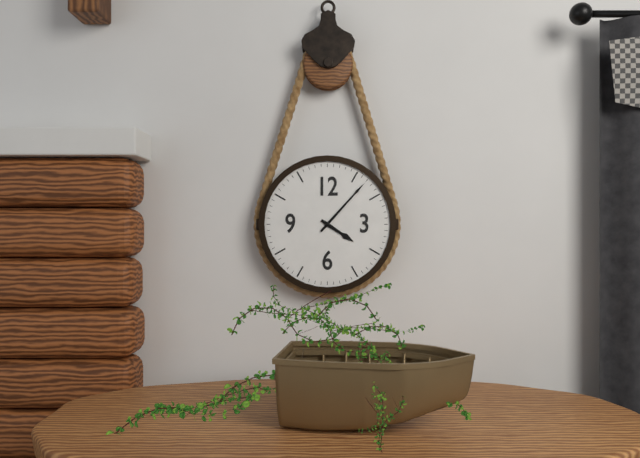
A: 4 h 07 min
